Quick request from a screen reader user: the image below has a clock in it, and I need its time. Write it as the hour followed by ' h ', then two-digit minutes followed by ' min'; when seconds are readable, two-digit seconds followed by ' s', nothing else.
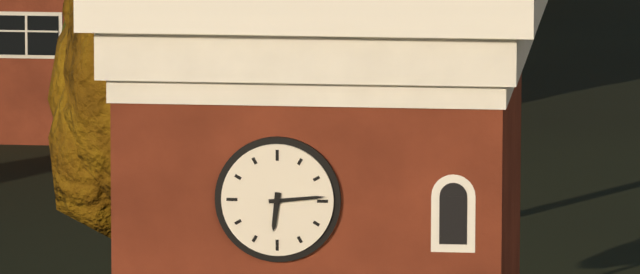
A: 6 h 14 min
